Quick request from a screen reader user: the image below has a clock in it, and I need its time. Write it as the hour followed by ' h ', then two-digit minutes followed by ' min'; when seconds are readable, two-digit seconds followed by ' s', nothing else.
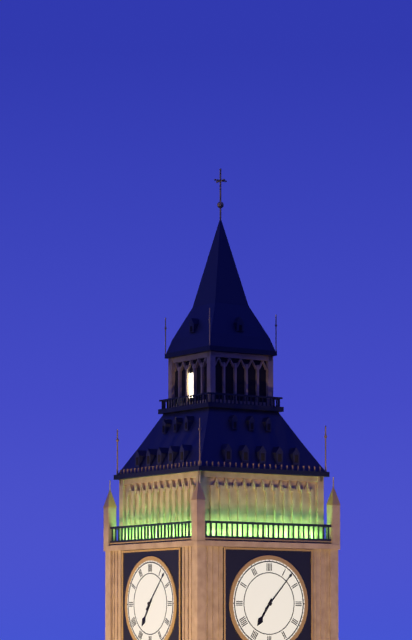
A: 7 h 07 min
